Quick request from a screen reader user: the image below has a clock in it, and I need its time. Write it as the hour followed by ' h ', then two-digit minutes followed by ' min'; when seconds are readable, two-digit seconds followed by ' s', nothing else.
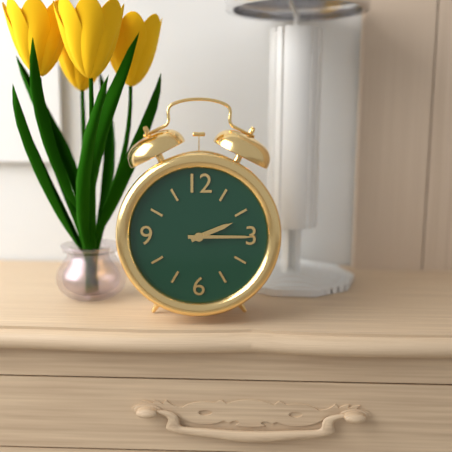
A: 2 h 15 min
